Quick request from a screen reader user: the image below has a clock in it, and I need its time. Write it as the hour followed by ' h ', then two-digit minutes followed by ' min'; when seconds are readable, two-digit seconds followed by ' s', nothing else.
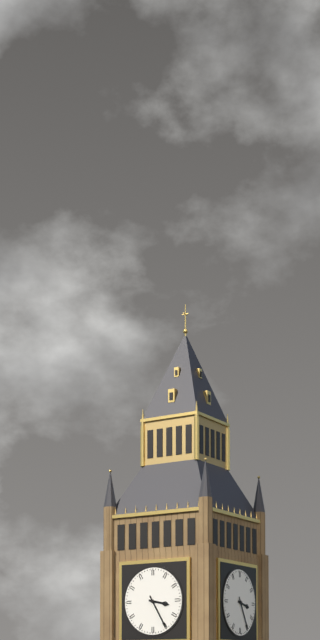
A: 3 h 25 min
